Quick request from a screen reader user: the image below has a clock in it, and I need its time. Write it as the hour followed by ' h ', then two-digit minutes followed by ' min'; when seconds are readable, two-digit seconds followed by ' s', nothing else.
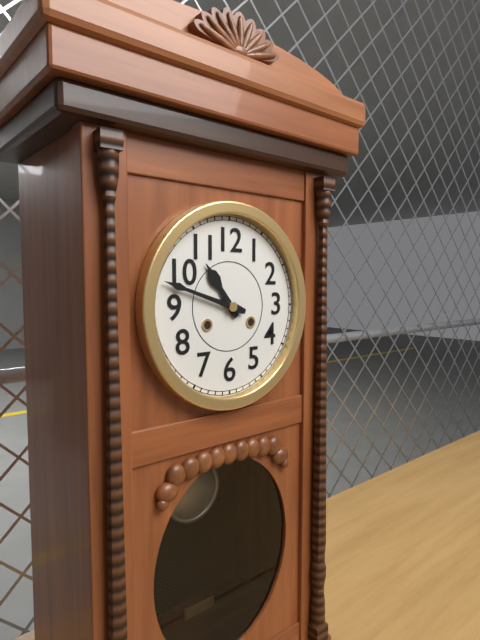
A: 10 h 48 min
